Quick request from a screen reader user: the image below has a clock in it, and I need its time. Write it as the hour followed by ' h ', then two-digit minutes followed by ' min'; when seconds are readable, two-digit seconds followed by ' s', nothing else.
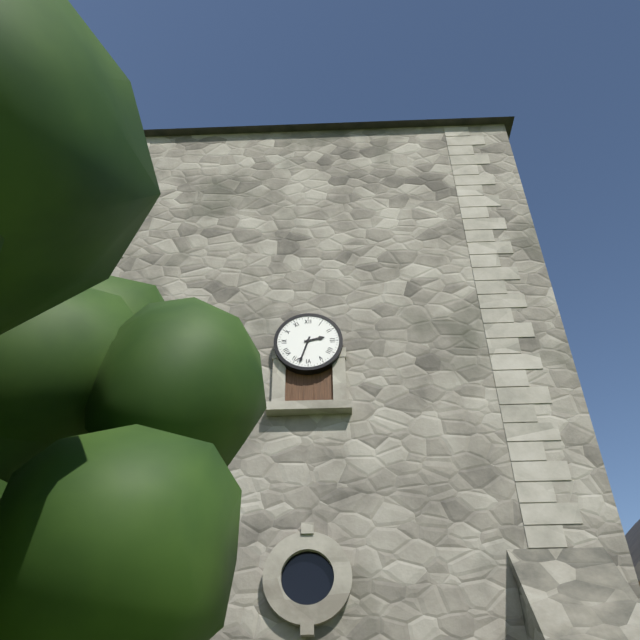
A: 2 h 33 min
